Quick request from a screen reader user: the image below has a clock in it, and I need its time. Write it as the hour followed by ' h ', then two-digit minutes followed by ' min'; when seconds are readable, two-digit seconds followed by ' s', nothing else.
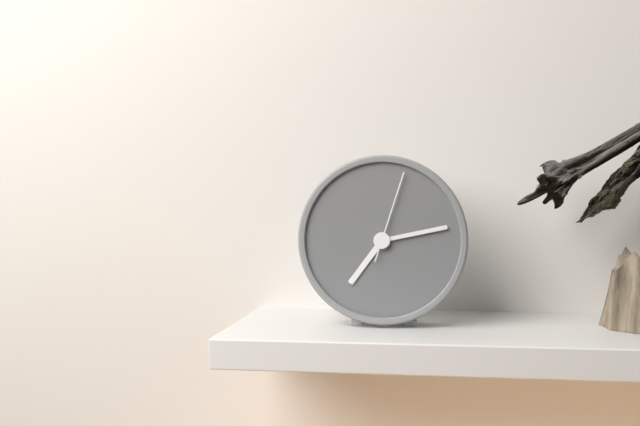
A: 7 h 13 min 03 s
